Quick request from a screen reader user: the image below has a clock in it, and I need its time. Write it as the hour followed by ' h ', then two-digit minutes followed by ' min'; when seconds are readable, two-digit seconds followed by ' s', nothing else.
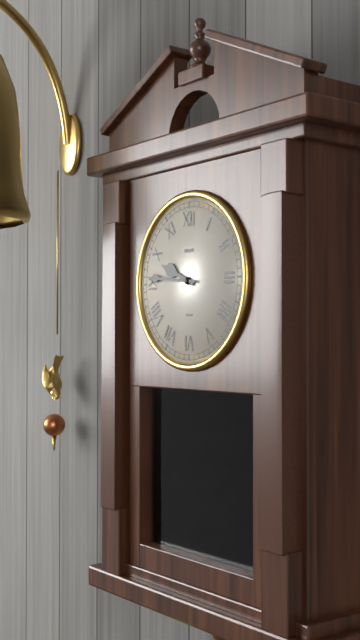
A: 9 h 46 min
